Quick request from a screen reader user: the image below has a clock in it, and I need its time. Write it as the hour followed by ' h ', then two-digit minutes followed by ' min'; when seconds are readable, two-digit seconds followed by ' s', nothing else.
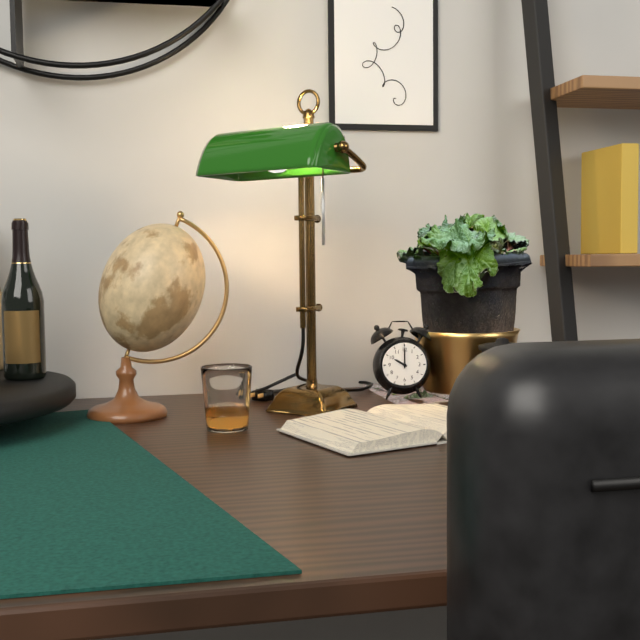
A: 10 h 00 min
